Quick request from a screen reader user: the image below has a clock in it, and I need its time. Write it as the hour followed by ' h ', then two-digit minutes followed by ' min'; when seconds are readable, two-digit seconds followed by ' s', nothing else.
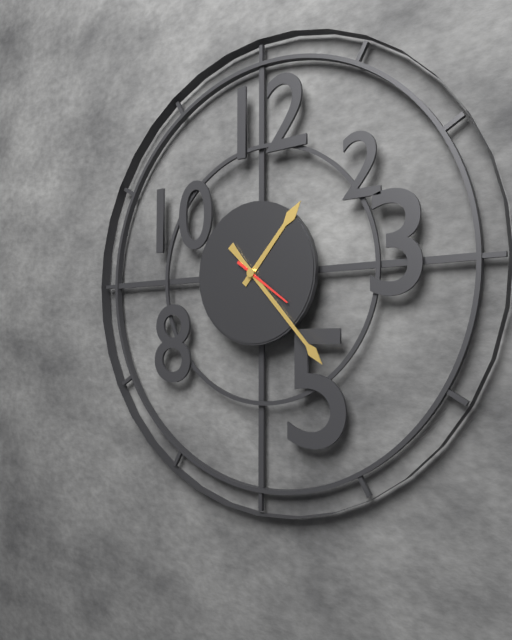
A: 1 h 23 min
